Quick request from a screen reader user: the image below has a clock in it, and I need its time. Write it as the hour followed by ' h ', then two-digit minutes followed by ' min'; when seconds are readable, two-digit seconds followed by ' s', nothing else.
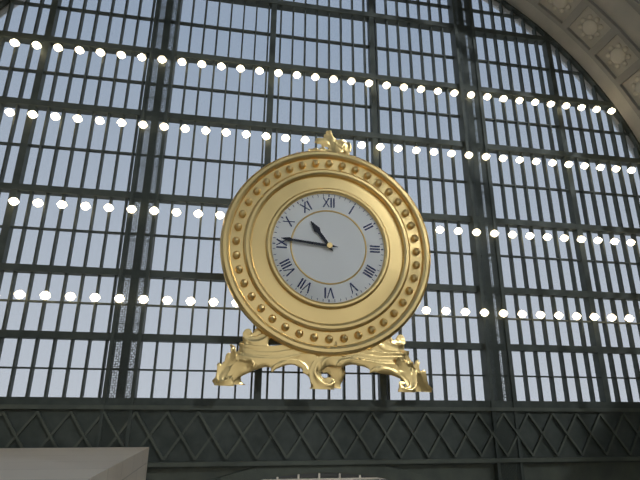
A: 10 h 46 min
